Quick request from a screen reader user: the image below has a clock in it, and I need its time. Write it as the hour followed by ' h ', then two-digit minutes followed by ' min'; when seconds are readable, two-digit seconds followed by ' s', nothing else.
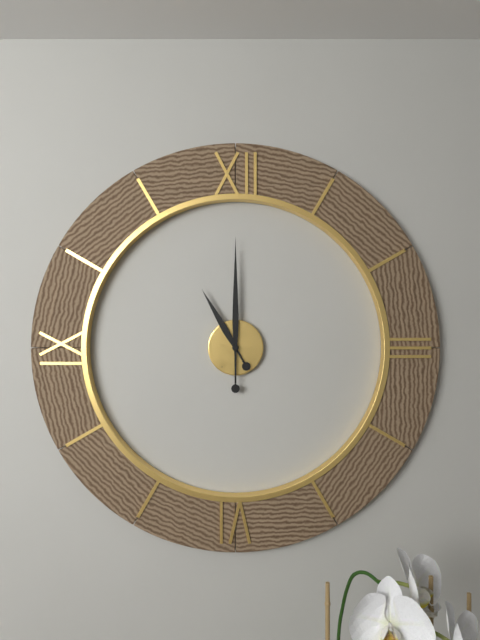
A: 11 h 00 min
